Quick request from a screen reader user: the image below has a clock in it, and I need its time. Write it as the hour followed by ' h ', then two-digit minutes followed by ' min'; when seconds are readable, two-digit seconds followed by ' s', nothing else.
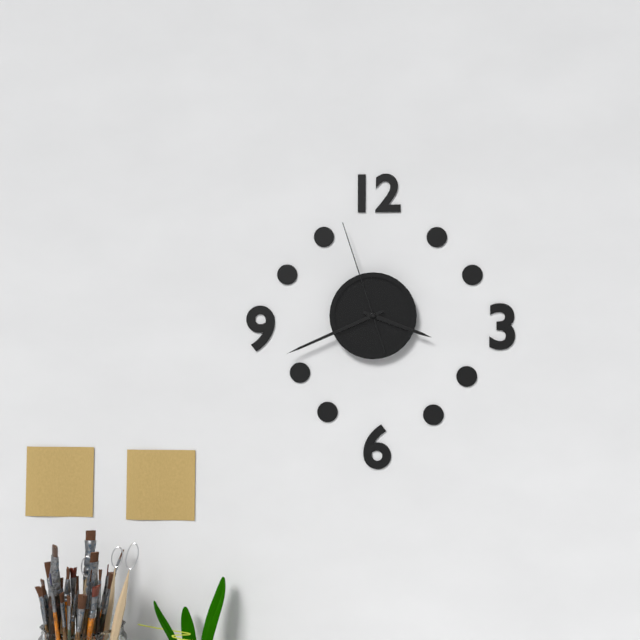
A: 3 h 41 min 57 s
